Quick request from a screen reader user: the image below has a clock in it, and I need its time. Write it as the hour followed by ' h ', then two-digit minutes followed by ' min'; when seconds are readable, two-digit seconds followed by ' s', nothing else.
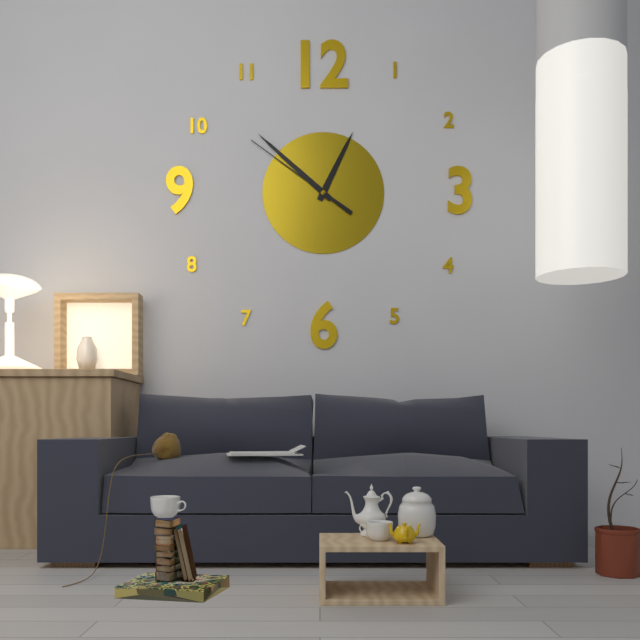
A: 12 h 52 min 51 s
